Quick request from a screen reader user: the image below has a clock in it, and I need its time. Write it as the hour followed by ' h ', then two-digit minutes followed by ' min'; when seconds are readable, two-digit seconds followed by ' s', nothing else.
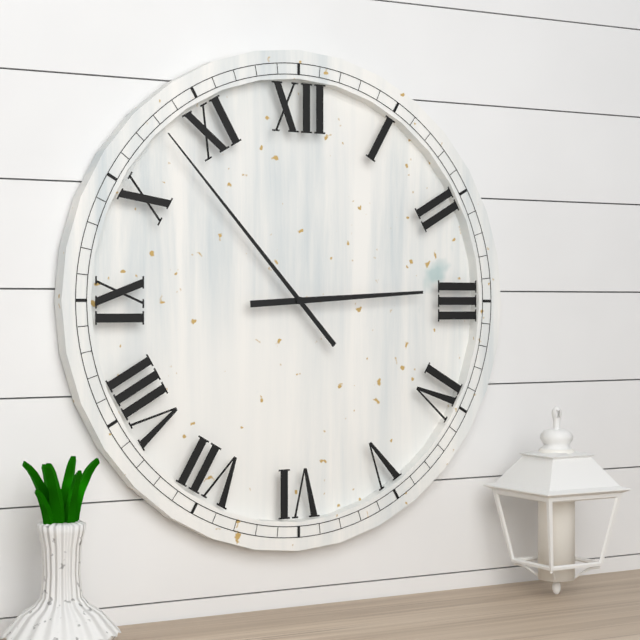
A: 2 h 53 min
